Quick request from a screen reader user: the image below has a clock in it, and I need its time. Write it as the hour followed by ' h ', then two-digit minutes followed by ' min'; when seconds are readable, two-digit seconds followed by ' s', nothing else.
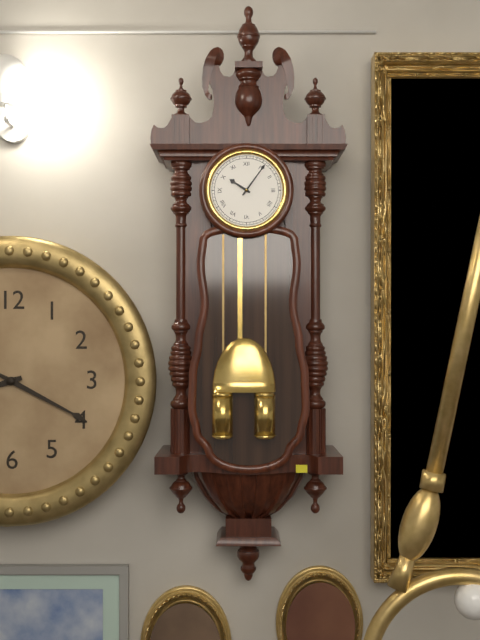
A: 10 h 06 min
